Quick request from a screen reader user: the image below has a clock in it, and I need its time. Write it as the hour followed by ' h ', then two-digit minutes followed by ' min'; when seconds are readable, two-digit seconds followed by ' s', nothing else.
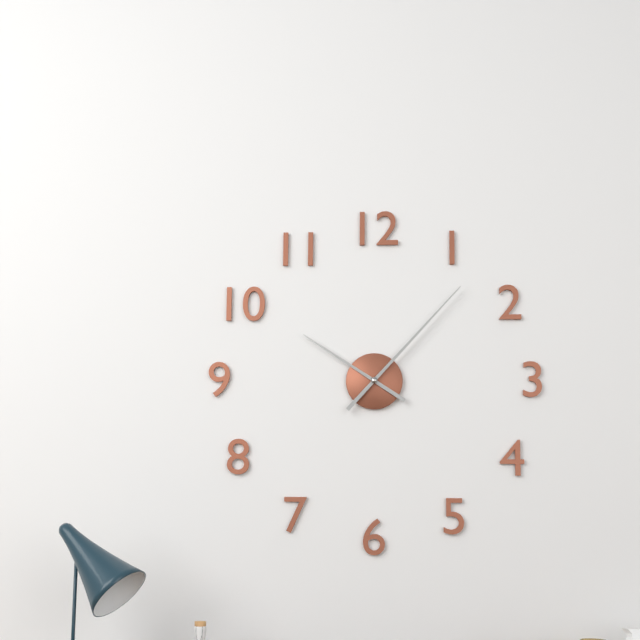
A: 10 h 07 min
